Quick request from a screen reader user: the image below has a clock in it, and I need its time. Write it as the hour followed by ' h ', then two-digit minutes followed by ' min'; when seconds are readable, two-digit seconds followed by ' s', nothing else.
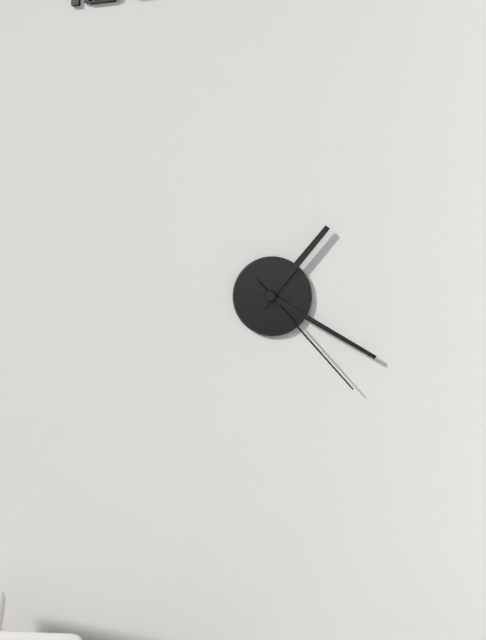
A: 1 h 20 min 23 s
